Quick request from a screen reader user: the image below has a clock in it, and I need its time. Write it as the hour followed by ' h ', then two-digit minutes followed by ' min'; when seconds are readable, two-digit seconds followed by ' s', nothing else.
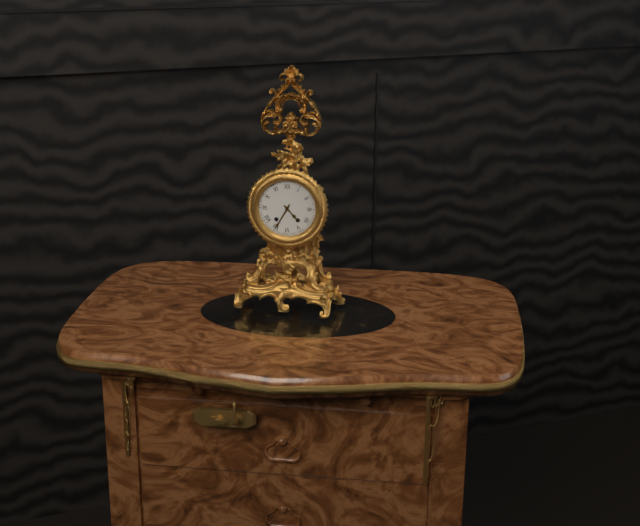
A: 4 h 35 min
